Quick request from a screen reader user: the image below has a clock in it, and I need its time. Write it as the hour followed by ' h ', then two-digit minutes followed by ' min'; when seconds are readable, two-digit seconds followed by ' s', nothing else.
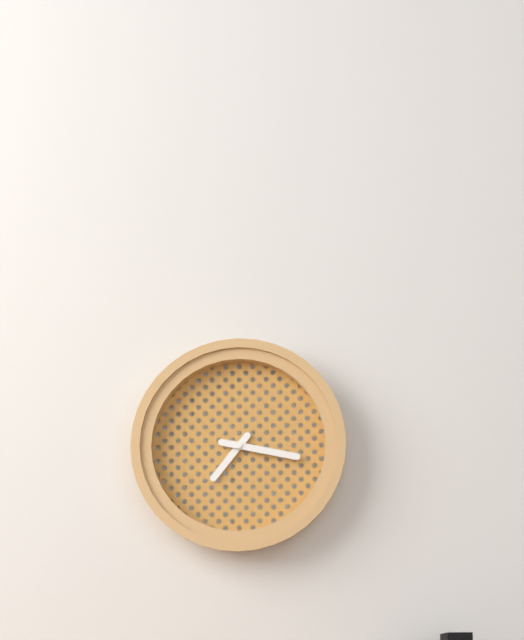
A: 7 h 17 min
